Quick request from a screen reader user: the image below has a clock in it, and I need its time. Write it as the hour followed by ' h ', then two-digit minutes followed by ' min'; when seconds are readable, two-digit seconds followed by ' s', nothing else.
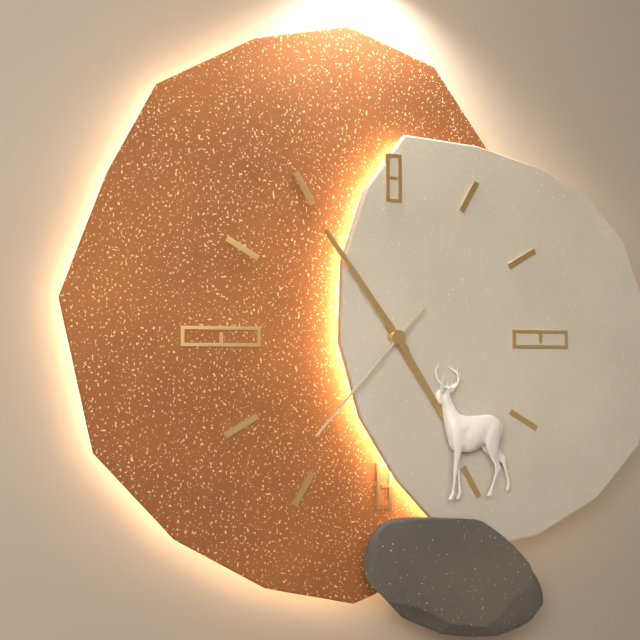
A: 4 h 54 min 37 s
